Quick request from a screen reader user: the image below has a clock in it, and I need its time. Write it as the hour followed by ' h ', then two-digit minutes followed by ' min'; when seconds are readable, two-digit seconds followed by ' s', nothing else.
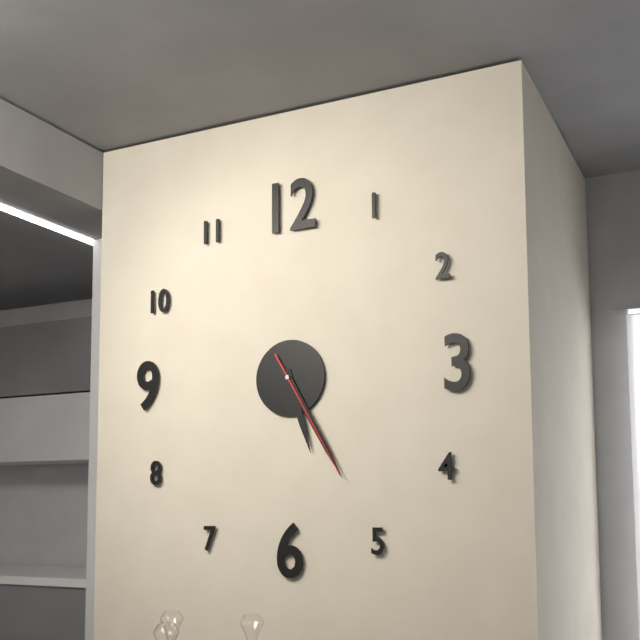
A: 5 h 25 min 25 s
